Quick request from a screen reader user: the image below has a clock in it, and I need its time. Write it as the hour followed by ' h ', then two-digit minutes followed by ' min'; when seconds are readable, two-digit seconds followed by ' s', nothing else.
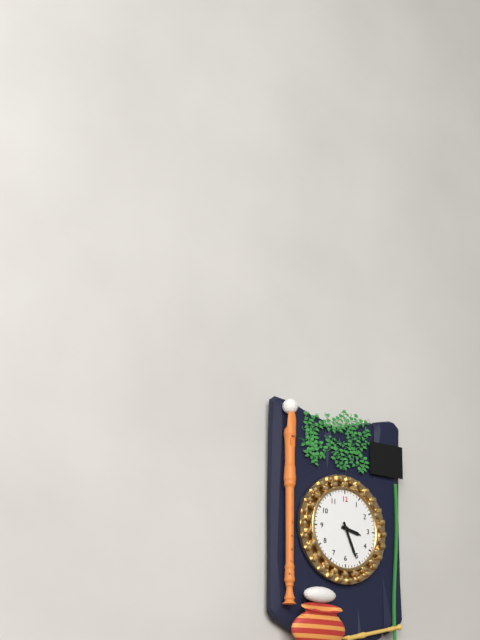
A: 3 h 26 min
